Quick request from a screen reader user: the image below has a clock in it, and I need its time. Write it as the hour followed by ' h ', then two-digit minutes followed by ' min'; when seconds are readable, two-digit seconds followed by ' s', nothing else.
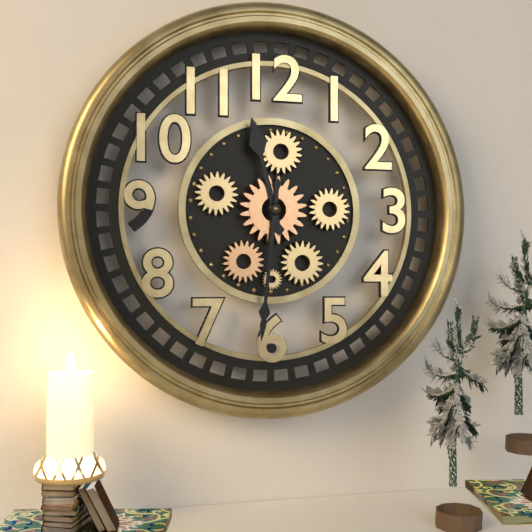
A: 11 h 31 min
